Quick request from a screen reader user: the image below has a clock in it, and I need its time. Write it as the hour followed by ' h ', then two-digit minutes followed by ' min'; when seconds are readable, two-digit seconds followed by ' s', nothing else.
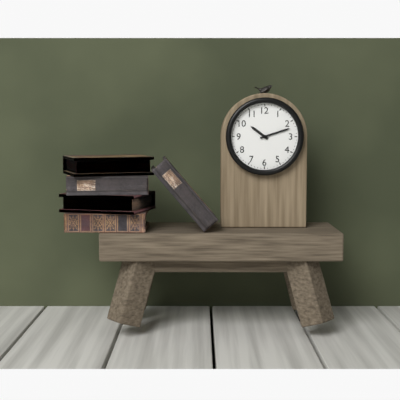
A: 10 h 12 min
